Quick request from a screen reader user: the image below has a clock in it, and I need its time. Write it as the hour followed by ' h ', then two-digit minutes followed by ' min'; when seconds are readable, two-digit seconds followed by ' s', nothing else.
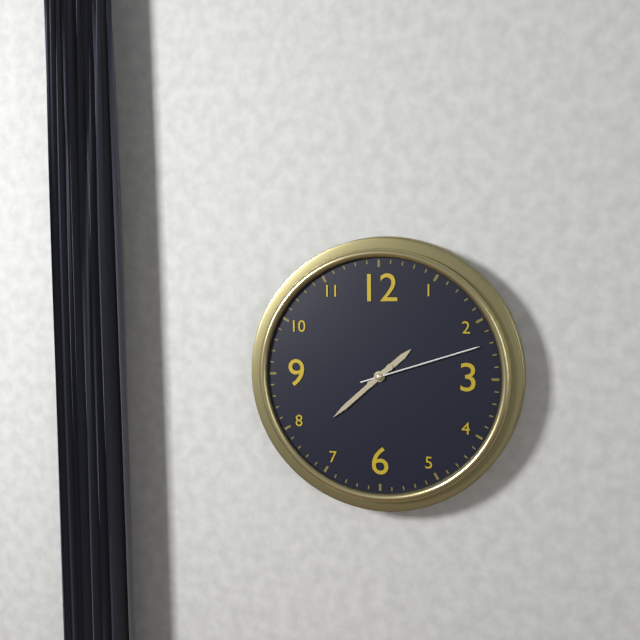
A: 1 h 38 min 12 s
